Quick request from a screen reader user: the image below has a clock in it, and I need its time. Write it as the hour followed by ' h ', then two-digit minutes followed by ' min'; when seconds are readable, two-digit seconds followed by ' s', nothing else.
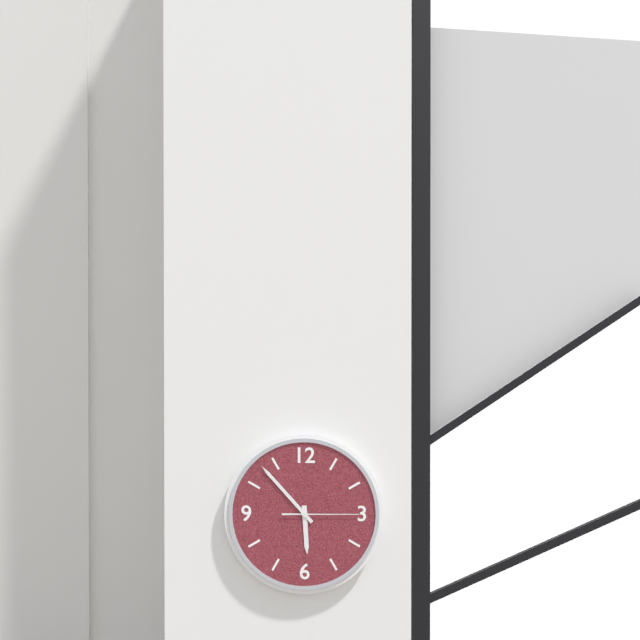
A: 5 h 53 min 15 s
